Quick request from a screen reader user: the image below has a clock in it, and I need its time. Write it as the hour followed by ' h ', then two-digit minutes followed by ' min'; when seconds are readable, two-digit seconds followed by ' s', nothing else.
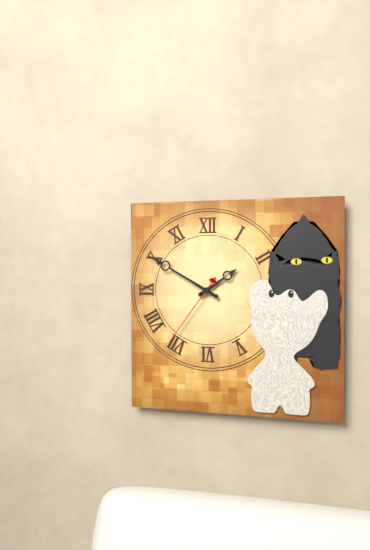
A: 1 h 50 min 36 s
